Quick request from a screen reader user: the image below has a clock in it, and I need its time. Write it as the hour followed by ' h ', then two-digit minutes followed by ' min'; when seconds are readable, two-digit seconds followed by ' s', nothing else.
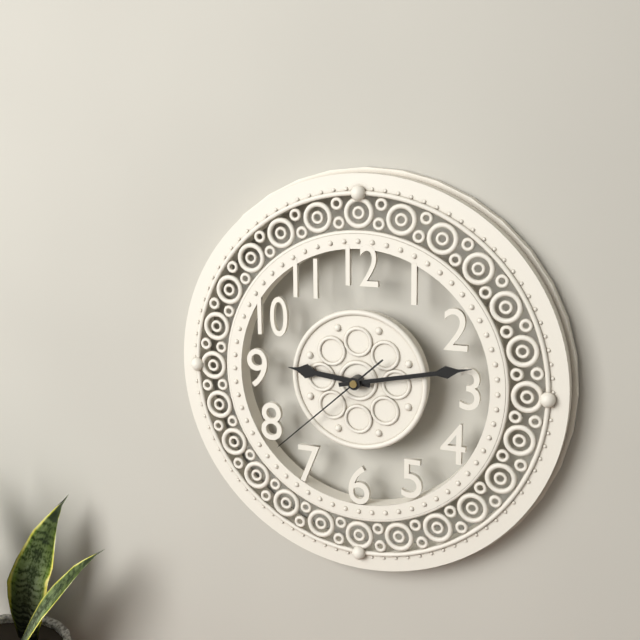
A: 9 h 13 min 38 s
